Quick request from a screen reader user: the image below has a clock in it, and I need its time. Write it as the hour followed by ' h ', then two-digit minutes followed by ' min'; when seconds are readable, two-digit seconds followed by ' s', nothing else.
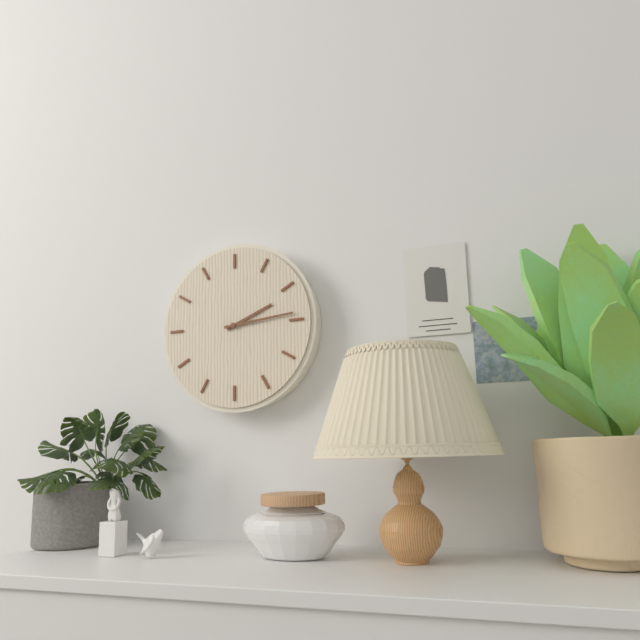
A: 2 h 14 min
